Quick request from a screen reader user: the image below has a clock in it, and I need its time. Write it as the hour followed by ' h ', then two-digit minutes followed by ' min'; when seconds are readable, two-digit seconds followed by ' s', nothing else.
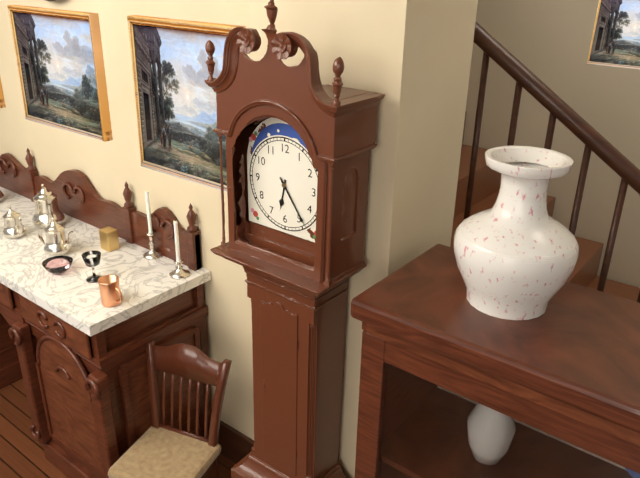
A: 6 h 24 min
